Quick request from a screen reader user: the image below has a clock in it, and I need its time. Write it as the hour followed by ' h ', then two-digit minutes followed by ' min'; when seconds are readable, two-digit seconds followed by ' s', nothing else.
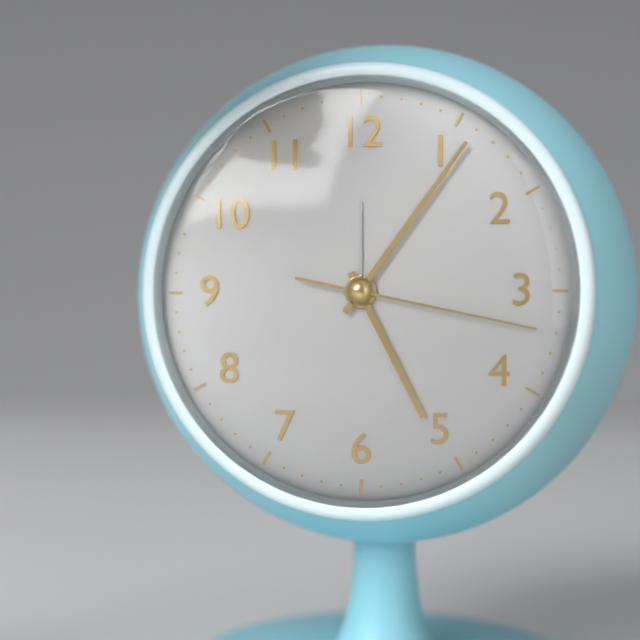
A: 5 h 06 min 17 s
